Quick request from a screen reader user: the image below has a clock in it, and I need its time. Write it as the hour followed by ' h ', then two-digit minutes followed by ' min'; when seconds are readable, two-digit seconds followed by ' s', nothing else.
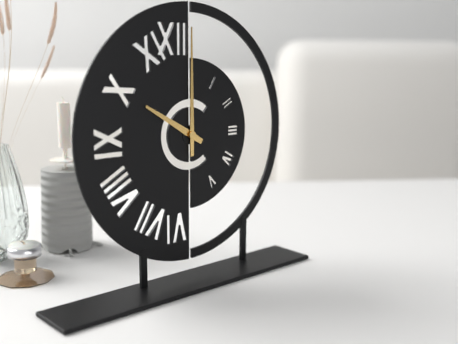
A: 10 h 00 min
